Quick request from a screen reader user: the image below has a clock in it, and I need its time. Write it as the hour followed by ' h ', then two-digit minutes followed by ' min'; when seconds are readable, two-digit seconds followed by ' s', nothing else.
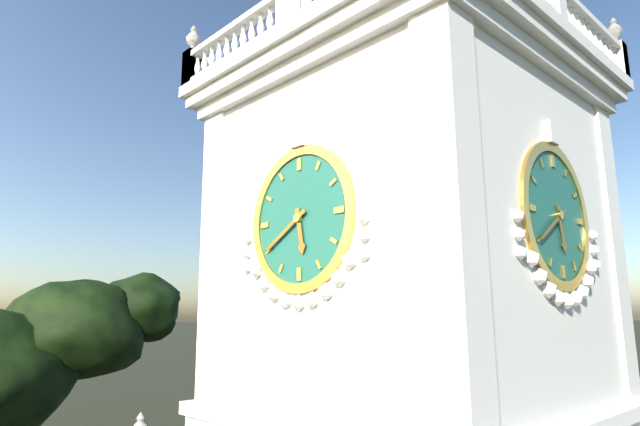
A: 5 h 40 min
